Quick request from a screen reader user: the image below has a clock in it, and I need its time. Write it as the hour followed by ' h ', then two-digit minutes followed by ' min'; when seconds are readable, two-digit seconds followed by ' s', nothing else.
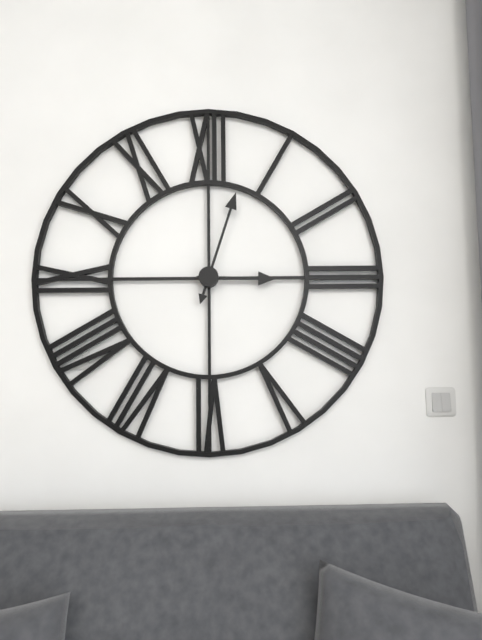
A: 3 h 03 min
